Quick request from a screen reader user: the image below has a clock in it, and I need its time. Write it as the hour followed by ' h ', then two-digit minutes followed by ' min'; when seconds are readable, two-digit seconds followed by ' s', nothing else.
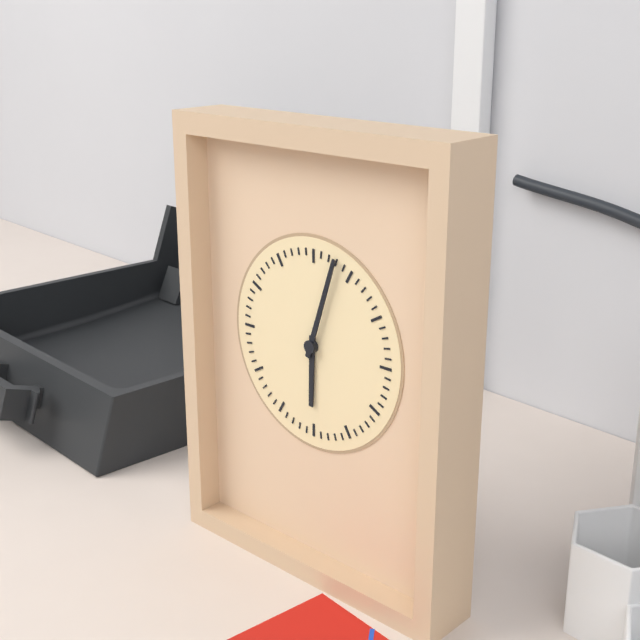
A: 6 h 03 min
